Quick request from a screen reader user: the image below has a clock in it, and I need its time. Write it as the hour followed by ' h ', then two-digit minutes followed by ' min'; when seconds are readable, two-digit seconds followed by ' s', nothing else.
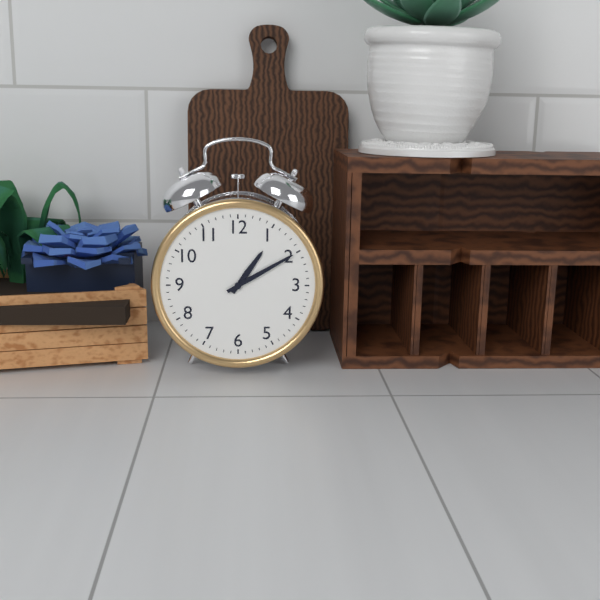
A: 1 h 10 min
